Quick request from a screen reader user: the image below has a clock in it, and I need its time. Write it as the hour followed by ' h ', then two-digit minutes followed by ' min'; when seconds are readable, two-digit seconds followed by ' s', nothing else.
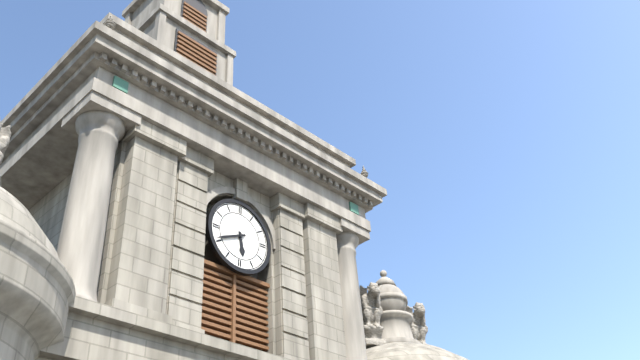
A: 5 h 41 min
